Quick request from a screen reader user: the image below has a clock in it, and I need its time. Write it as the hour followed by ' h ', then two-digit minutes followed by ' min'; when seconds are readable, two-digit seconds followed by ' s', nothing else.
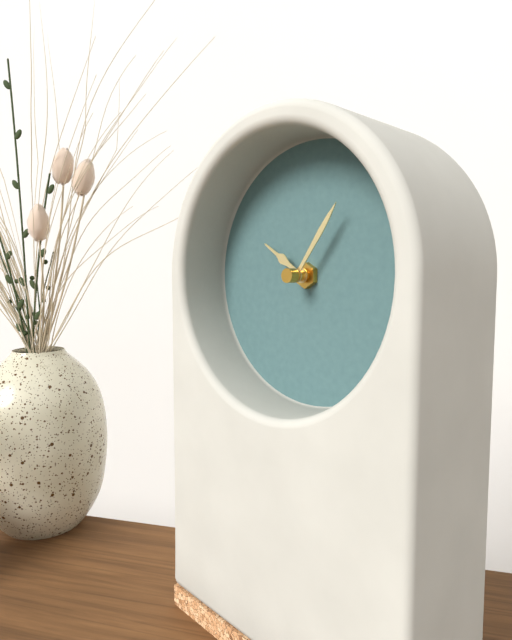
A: 10 h 06 min
